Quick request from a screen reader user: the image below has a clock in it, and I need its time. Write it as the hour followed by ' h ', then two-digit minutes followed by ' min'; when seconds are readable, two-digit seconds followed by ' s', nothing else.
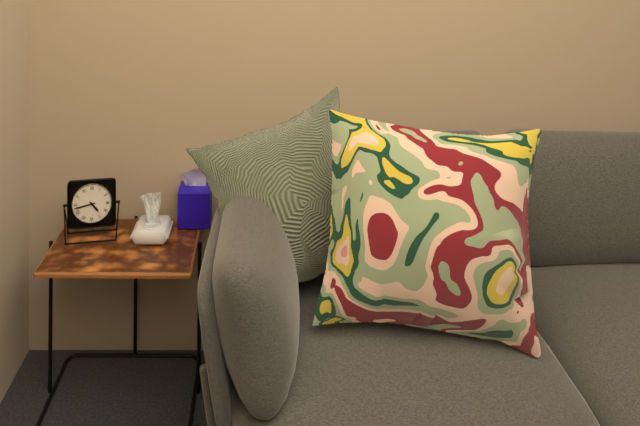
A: 4 h 43 min
